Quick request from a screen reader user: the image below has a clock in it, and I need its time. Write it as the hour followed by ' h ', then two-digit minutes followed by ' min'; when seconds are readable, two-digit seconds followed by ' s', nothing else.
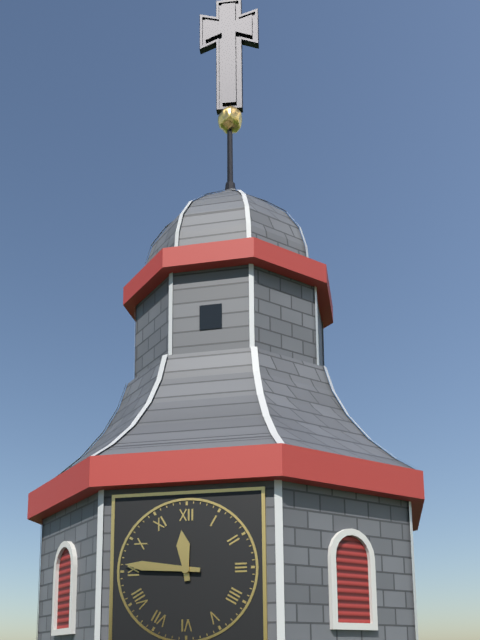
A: 11 h 46 min
